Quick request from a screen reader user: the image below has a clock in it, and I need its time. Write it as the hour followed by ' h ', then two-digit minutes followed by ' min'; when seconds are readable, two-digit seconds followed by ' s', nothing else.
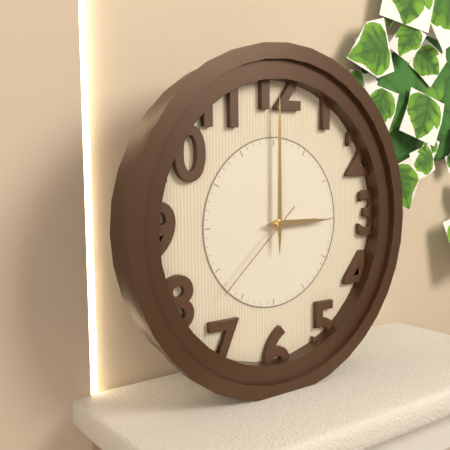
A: 3 h 00 min 38 s
